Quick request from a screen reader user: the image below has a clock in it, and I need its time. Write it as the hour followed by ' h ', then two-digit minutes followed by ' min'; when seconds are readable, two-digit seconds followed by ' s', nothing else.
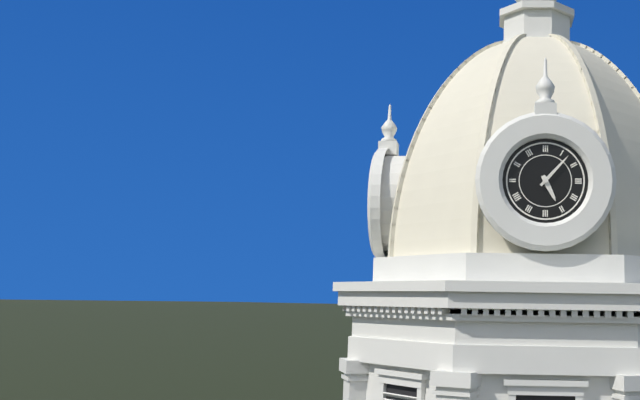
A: 5 h 07 min
